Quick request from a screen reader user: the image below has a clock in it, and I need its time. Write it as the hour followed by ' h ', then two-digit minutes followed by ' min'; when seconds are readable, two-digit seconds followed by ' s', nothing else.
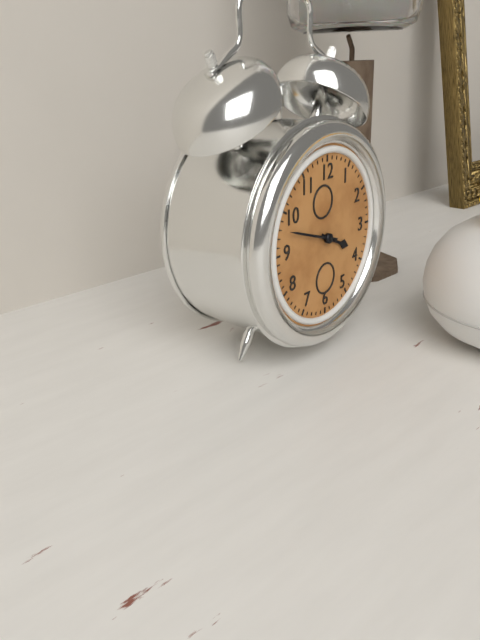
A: 3 h 48 min
